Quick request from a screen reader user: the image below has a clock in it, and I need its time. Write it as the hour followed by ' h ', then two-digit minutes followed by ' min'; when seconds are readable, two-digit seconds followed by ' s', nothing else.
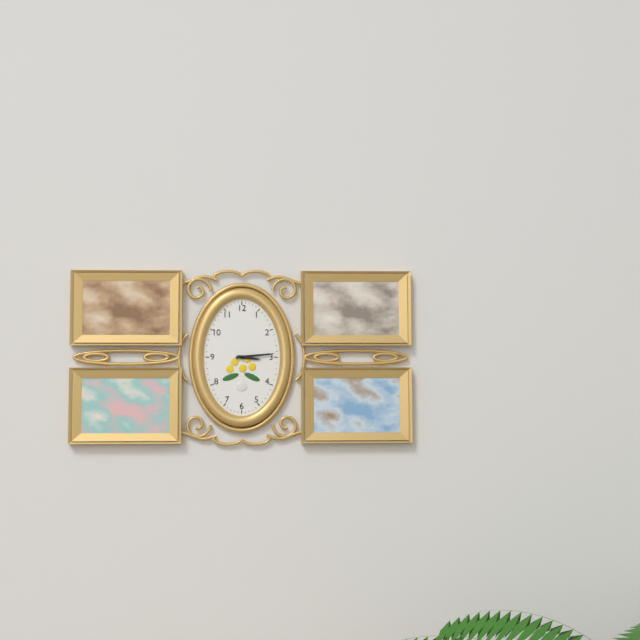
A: 3 h 14 min
